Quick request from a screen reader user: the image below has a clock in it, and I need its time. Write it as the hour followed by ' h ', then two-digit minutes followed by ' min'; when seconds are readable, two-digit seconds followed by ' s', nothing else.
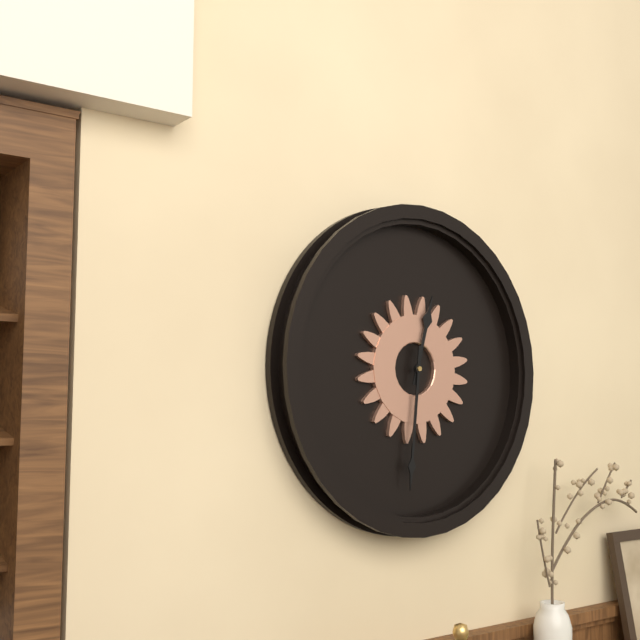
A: 12 h 31 min
